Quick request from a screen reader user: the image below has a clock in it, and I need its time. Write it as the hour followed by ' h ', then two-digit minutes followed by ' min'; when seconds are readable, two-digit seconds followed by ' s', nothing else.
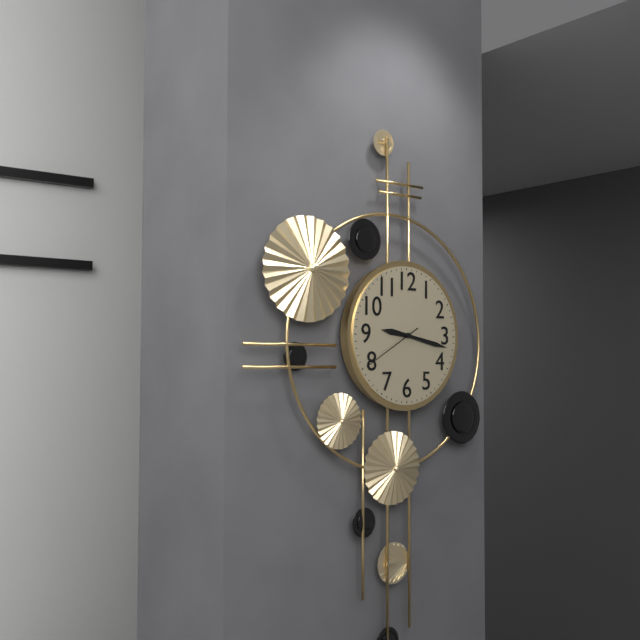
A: 9 h 17 min 40 s
